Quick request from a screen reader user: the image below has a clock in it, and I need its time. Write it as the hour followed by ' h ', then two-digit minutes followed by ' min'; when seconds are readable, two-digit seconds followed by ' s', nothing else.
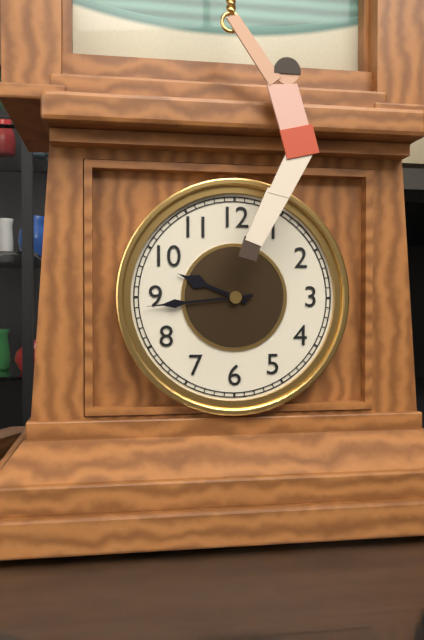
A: 9 h 44 min
